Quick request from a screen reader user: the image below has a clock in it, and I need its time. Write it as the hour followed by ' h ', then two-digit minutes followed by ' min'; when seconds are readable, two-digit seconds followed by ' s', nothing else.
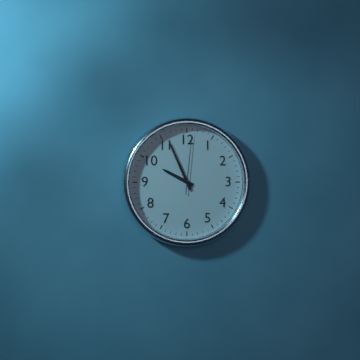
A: 9 h 56 min 01 s
